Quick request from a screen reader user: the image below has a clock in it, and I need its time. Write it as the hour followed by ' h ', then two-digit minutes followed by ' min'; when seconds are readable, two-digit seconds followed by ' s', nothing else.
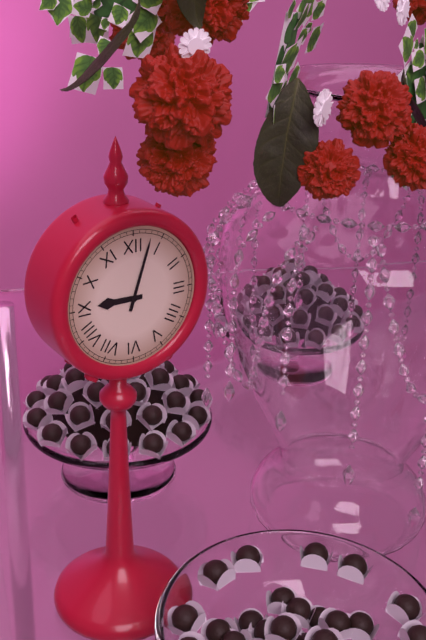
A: 9 h 03 min
